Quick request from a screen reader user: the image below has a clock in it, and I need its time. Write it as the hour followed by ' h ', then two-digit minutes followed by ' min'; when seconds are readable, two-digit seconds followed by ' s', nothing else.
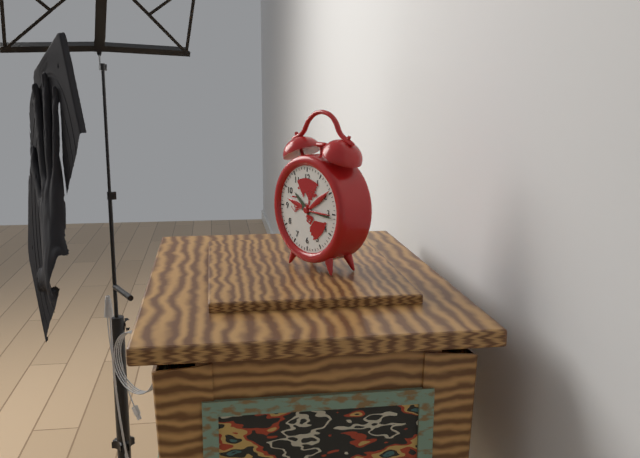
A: 10 h 16 min
